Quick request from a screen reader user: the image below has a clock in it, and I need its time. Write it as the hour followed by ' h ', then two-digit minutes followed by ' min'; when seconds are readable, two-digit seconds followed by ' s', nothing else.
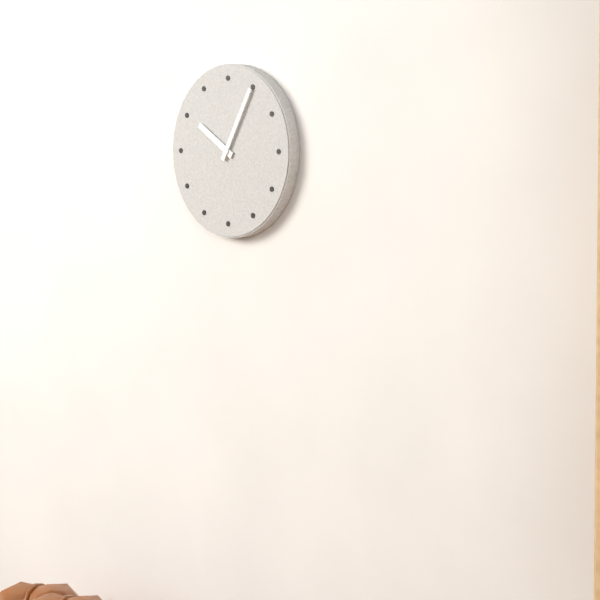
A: 10 h 05 min
